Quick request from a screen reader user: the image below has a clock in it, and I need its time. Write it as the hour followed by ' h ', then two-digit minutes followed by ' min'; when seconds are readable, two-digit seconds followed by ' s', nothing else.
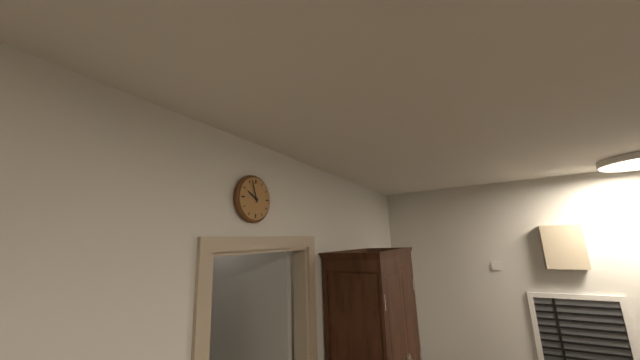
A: 9 h 57 min
